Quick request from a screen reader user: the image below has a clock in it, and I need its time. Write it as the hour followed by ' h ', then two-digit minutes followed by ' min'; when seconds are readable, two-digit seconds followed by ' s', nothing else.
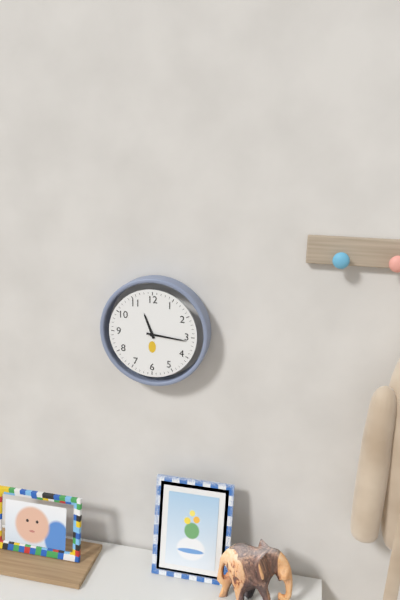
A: 11 h 16 min
